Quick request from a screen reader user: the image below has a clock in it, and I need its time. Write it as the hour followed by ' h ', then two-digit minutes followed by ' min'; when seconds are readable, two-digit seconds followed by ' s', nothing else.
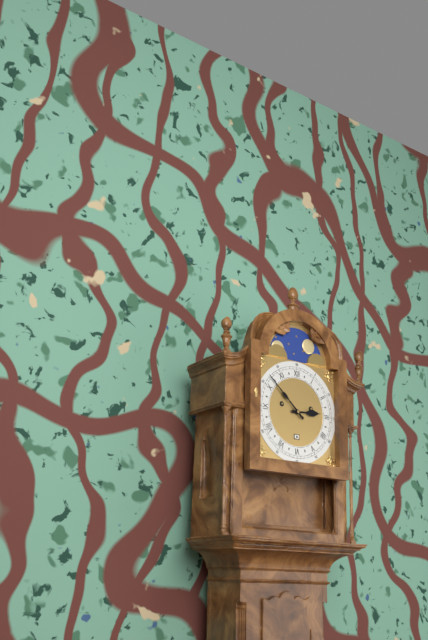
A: 2 h 52 min
